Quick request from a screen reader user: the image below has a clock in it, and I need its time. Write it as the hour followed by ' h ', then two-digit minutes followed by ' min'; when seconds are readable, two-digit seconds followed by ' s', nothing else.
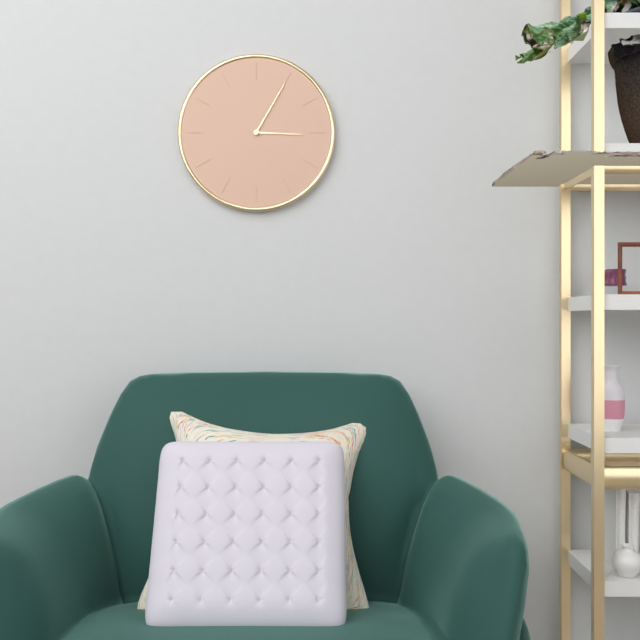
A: 3 h 05 min
